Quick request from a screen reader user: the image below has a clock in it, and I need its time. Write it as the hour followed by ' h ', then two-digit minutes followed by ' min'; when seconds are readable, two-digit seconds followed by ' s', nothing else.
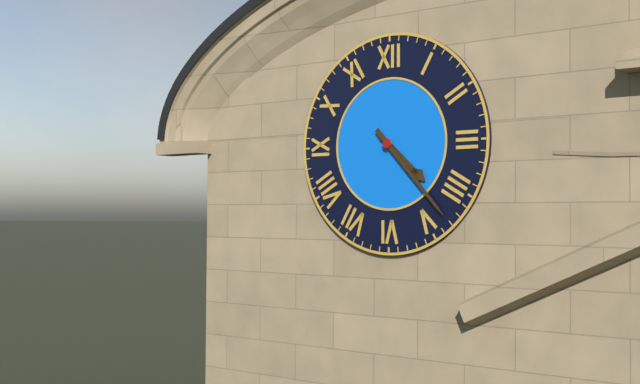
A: 4 h 23 min
